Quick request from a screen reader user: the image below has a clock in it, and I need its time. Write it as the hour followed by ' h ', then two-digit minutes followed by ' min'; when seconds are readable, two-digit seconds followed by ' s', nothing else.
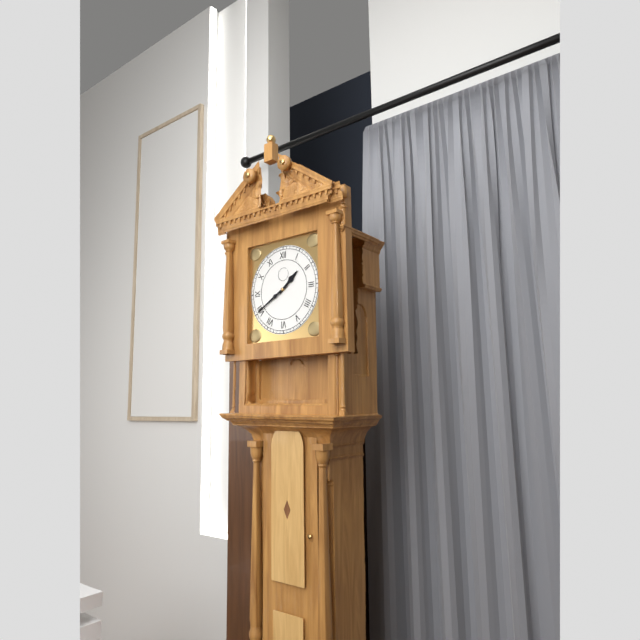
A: 1 h 40 min
